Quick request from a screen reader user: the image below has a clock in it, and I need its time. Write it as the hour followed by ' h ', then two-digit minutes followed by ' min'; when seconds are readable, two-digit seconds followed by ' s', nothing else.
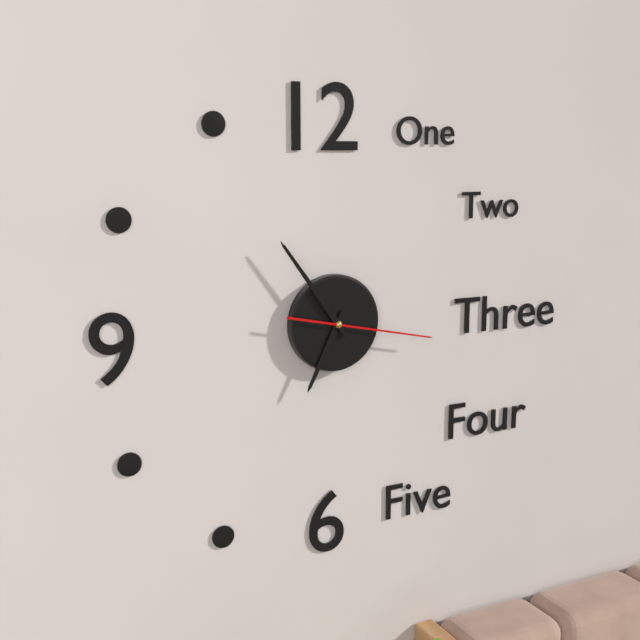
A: 6 h 54 min 17 s
